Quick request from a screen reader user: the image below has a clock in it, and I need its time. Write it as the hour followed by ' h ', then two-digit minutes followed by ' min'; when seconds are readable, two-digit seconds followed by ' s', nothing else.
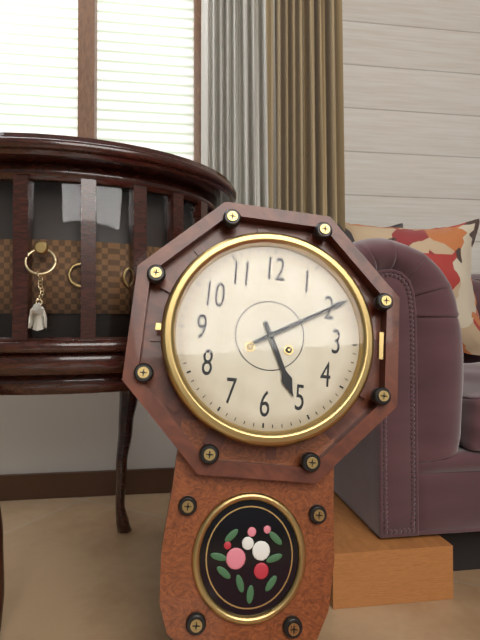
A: 5 h 10 min
